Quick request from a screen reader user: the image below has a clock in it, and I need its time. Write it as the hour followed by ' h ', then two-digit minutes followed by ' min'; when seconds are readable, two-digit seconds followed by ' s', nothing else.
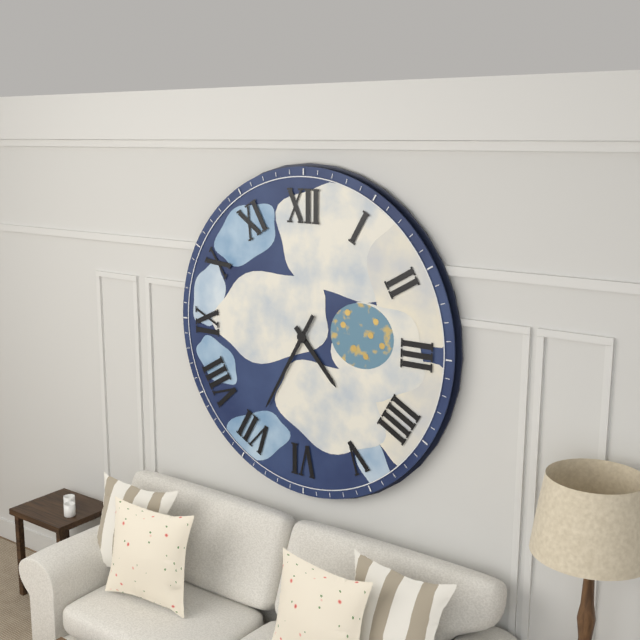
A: 4 h 35 min
